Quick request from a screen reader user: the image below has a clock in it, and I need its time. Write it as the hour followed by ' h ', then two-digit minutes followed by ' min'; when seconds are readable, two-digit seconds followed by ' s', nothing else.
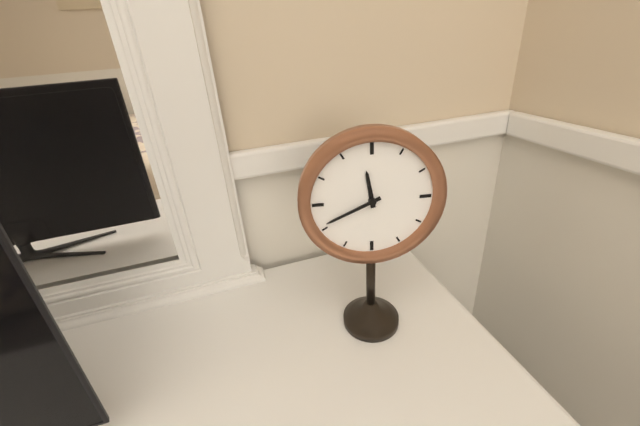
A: 11 h 41 min
